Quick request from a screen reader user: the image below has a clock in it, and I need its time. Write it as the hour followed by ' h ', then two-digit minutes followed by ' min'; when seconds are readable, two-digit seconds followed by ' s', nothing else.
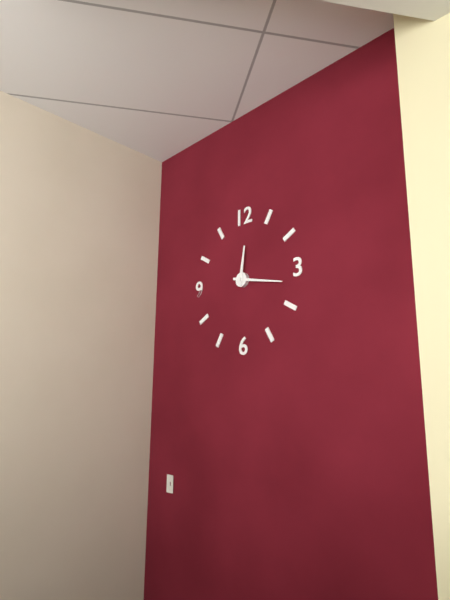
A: 12 h 17 min
